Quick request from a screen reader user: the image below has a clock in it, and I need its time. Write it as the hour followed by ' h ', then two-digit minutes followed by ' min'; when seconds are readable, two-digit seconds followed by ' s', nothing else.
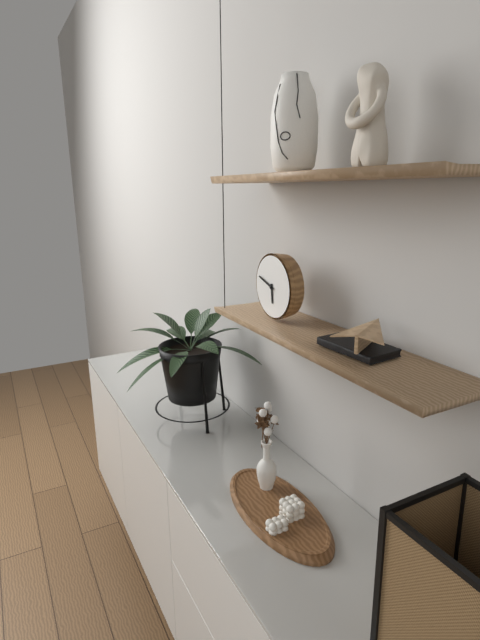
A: 5 h 48 min
